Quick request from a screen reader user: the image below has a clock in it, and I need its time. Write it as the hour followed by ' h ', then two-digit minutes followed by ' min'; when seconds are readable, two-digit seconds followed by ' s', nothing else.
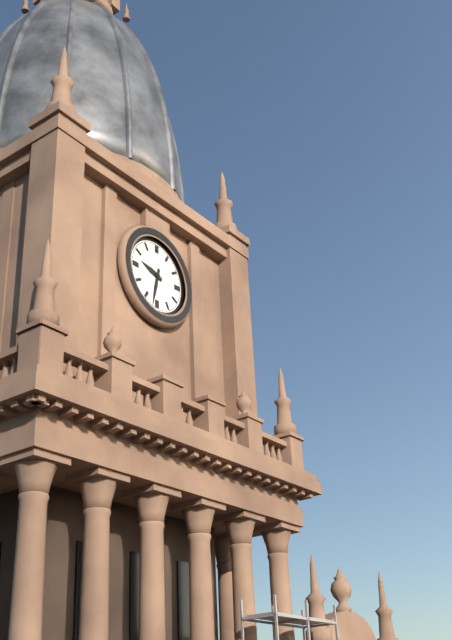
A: 9 h 32 min
